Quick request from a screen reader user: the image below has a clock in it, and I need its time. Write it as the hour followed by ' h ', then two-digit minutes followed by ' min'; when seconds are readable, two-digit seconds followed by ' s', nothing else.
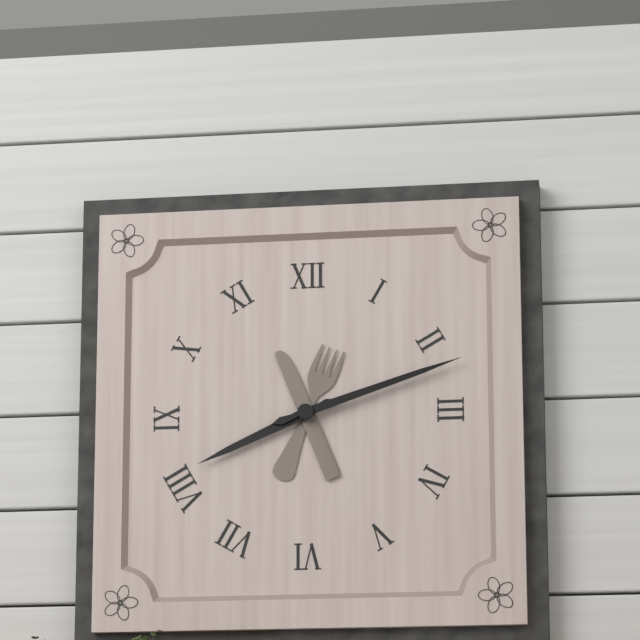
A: 8 h 12 min
